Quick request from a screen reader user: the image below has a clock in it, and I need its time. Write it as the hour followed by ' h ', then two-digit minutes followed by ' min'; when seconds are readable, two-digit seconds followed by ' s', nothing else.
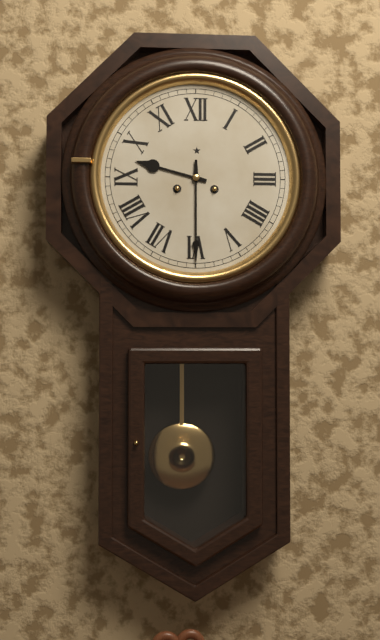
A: 9 h 30 min
